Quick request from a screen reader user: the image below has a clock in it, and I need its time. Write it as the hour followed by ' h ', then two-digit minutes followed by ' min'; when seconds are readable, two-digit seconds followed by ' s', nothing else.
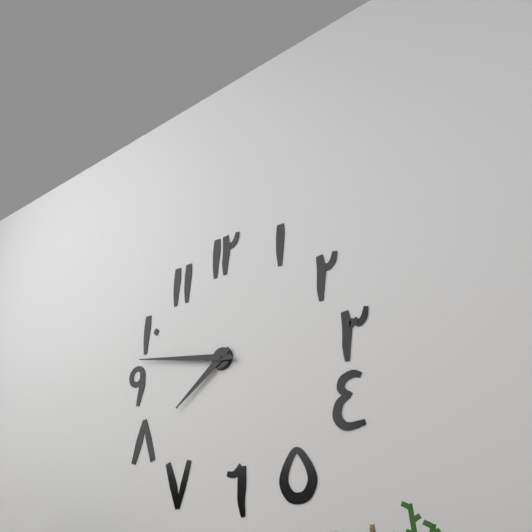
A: 7 h 47 min
